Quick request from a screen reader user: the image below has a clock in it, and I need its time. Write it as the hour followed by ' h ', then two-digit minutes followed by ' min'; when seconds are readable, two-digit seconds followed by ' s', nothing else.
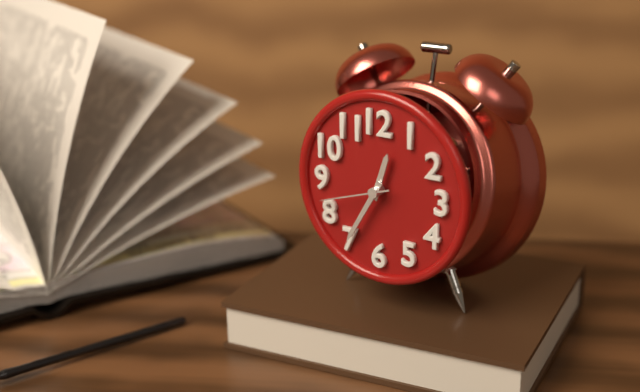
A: 12 h 35 min 42 s
